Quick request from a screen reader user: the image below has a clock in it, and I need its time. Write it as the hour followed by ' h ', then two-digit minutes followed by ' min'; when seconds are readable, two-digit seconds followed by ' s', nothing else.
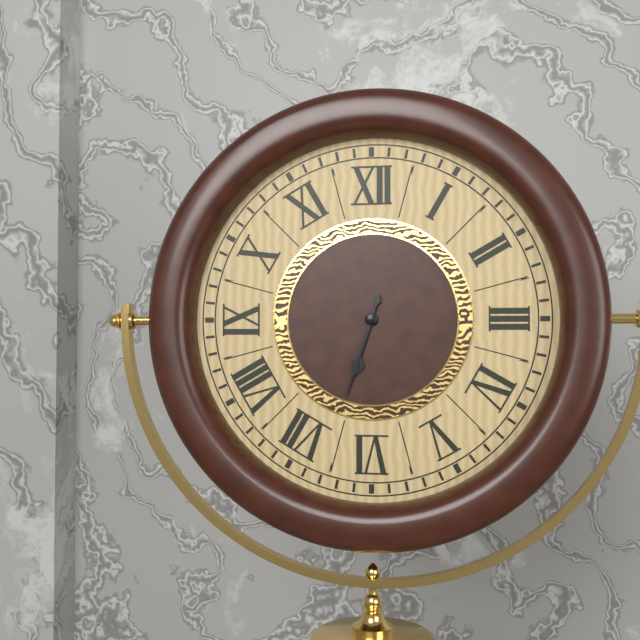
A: 6 h 33 min
